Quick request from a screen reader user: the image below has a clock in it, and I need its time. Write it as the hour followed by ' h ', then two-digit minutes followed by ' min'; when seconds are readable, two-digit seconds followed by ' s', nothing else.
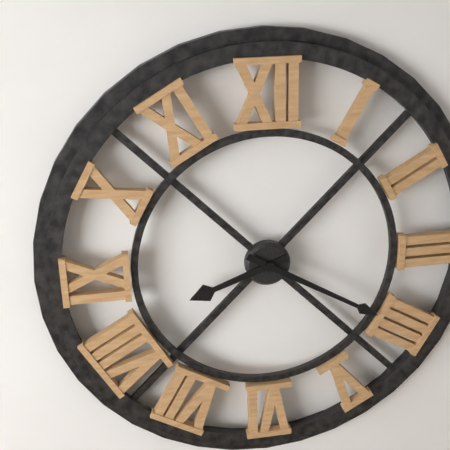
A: 8 h 20 min
